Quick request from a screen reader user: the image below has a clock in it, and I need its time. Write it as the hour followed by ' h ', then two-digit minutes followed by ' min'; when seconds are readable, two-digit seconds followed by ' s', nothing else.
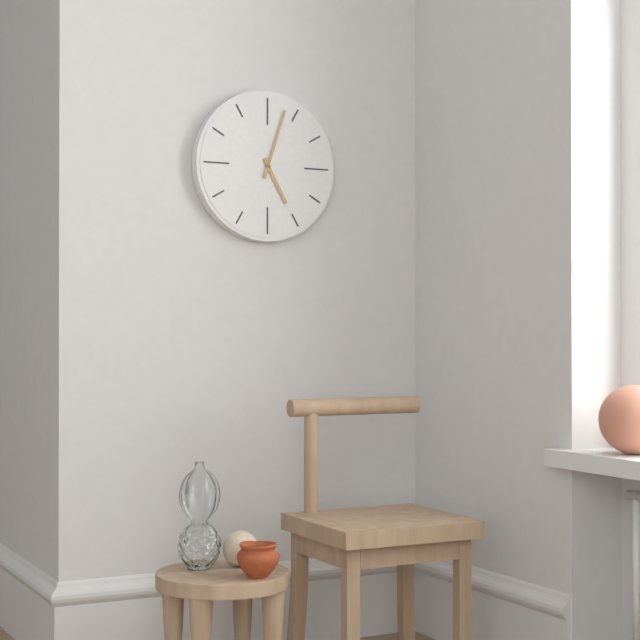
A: 5 h 03 min
